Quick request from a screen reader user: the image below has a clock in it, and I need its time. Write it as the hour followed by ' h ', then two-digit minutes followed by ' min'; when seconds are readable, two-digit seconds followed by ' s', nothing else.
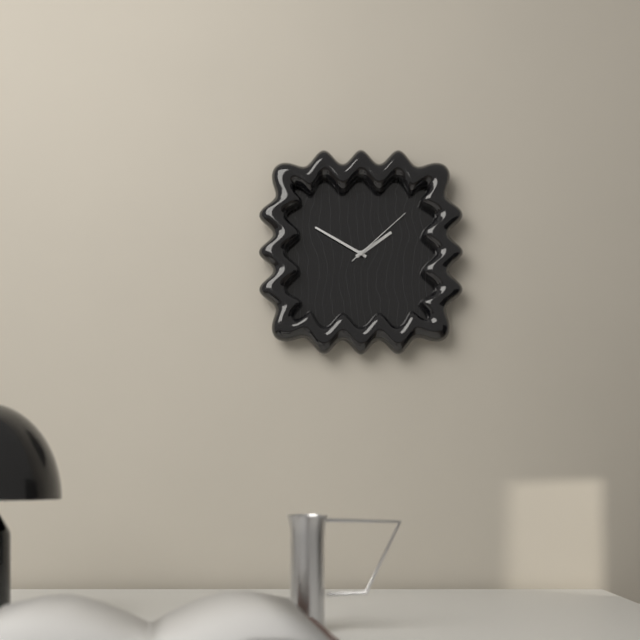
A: 1 h 50 min 08 s
